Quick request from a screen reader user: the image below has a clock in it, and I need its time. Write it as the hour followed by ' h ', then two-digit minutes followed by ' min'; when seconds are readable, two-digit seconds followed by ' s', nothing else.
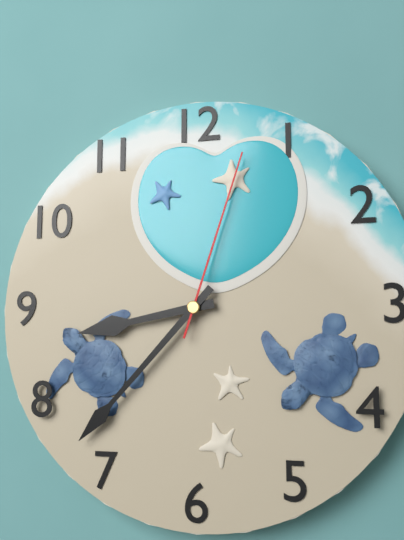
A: 8 h 37 min 03 s
